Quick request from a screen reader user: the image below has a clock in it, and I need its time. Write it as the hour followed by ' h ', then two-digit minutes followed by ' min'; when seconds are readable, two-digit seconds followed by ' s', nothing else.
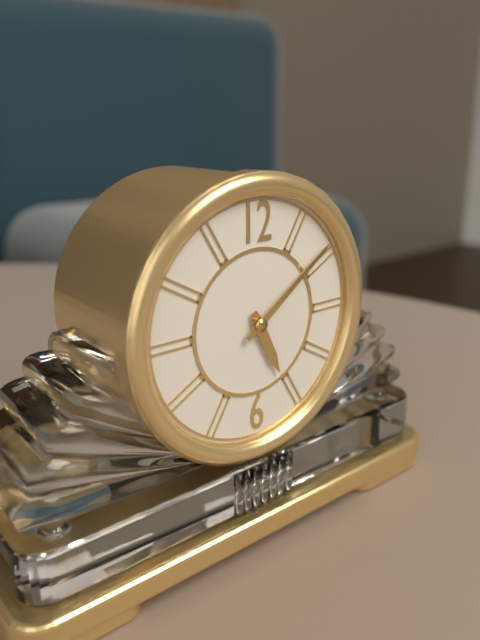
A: 5 h 09 min
